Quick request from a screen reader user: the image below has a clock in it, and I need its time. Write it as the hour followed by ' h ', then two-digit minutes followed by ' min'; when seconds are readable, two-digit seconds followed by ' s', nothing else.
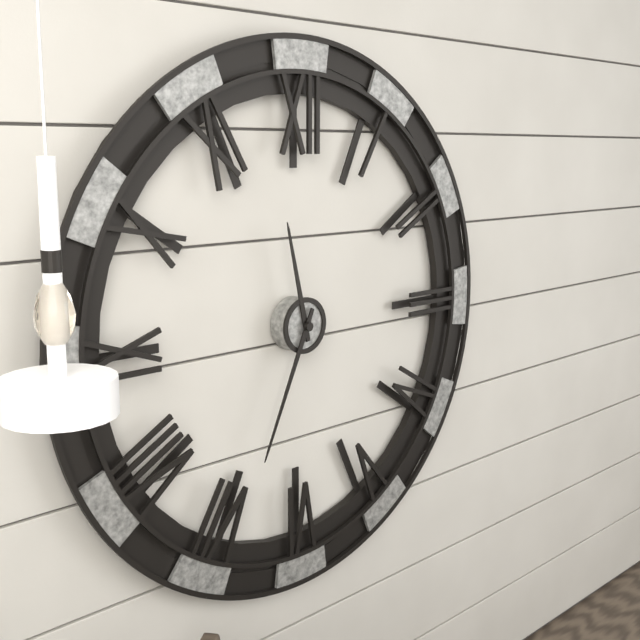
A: 11 h 34 min
